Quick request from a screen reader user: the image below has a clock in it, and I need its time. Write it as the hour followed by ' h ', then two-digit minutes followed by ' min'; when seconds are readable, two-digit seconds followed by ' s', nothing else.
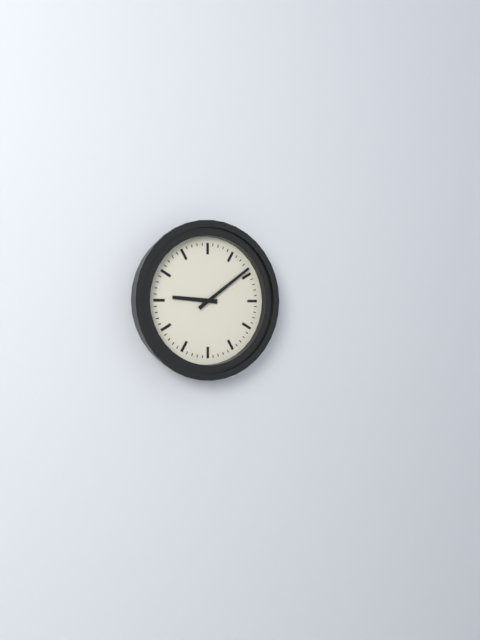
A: 9 h 09 min
